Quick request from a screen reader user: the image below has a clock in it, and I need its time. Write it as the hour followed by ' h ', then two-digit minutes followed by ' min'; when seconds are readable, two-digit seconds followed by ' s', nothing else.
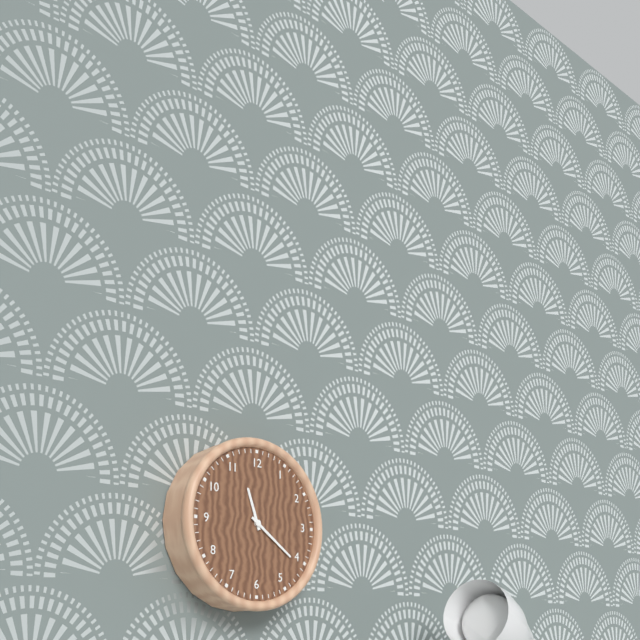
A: 11 h 21 min
